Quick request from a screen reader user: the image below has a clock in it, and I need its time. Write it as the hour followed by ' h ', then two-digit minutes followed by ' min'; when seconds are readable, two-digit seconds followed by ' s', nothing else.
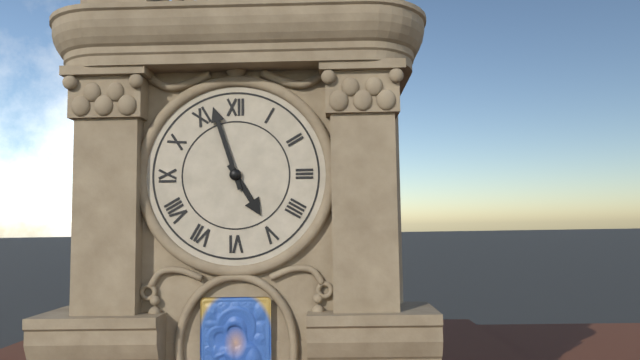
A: 4 h 57 min
